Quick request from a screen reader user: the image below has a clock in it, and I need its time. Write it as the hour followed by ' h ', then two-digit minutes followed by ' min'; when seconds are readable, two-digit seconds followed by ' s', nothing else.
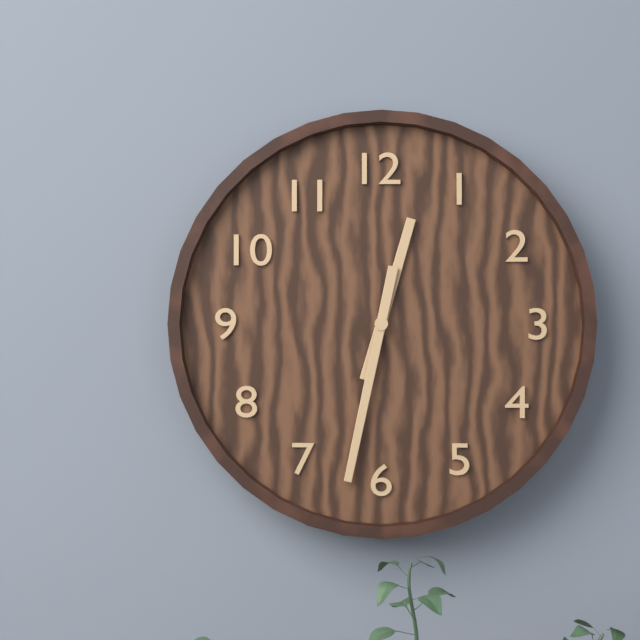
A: 12 h 32 min
